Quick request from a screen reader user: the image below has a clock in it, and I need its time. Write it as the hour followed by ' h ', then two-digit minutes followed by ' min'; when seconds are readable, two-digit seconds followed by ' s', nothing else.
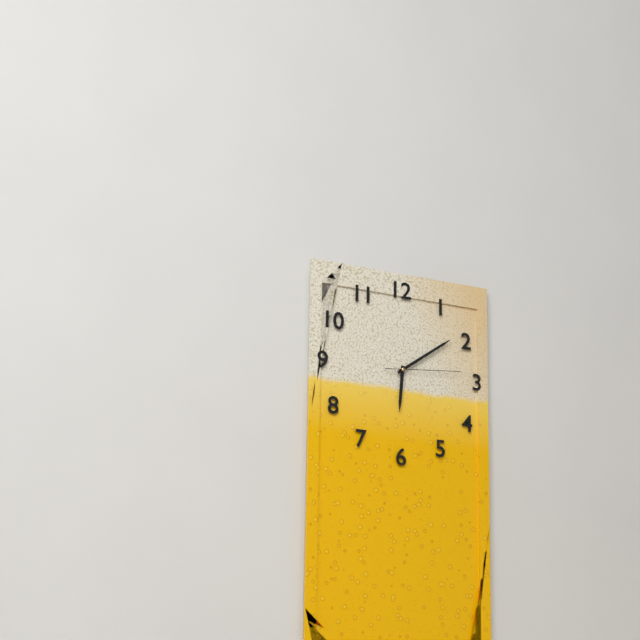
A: 6 h 09 min 14 s
